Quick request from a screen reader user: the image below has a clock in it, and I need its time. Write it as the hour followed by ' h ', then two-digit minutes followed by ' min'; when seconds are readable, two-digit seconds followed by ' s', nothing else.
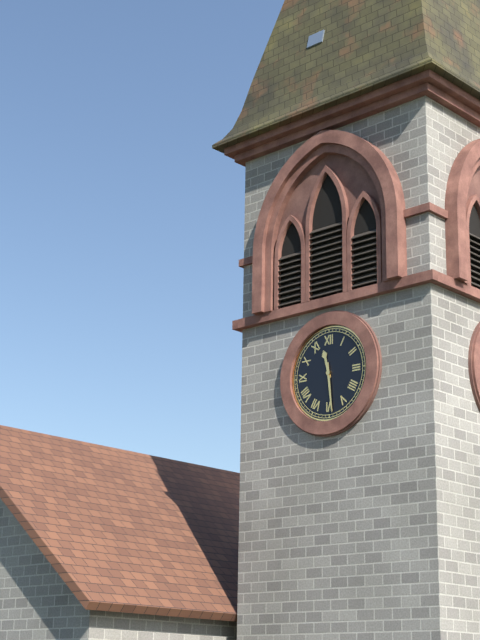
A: 11 h 29 min
